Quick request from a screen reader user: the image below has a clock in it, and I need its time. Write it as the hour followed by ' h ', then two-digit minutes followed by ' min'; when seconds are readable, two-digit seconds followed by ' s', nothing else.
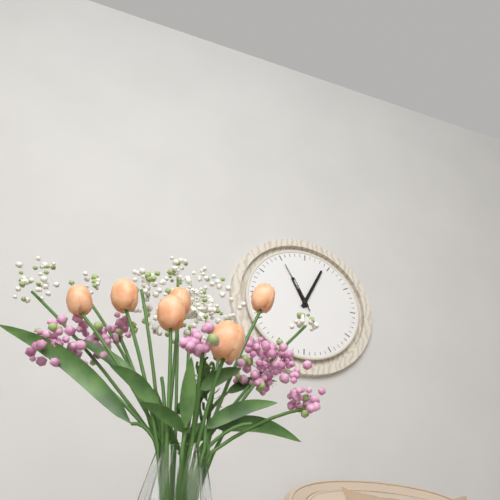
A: 11 h 04 min 55 s
